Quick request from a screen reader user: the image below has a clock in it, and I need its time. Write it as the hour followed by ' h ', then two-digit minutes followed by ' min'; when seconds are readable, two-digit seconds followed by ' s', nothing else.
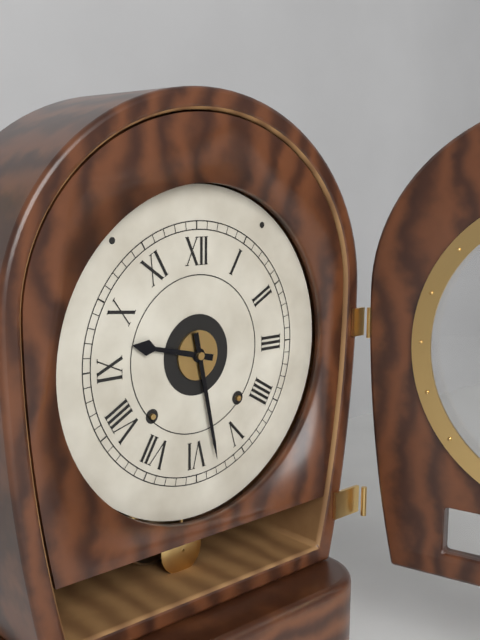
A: 9 h 28 min
